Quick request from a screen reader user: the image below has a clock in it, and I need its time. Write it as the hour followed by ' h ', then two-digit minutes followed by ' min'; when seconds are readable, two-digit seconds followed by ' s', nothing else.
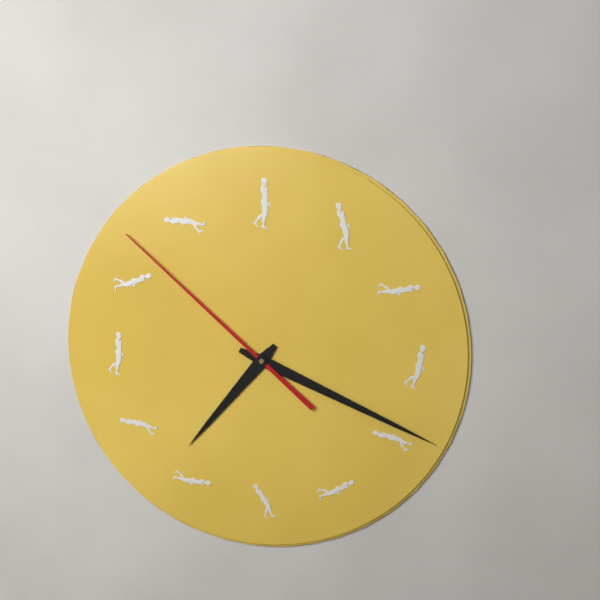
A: 7 h 19 min 52 s
